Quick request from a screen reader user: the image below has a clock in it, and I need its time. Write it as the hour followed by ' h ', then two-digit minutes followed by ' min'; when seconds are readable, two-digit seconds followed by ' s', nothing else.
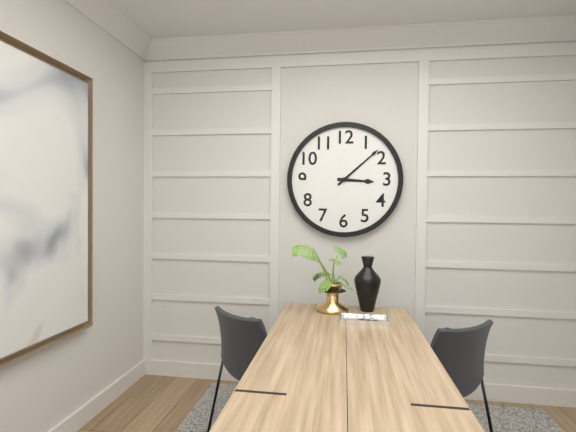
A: 3 h 08 min
